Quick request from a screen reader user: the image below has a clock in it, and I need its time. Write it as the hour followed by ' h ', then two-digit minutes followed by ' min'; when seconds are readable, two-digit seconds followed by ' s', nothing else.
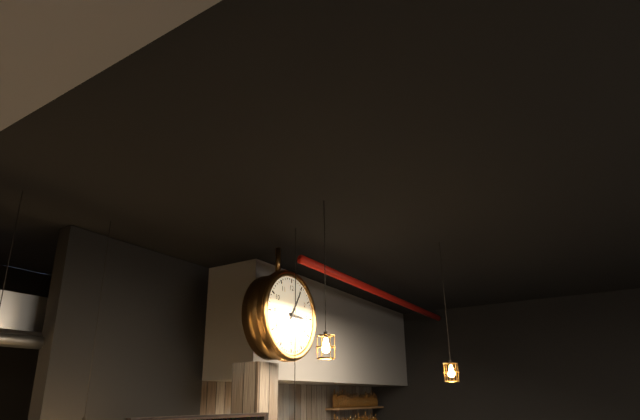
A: 3 h 05 min
